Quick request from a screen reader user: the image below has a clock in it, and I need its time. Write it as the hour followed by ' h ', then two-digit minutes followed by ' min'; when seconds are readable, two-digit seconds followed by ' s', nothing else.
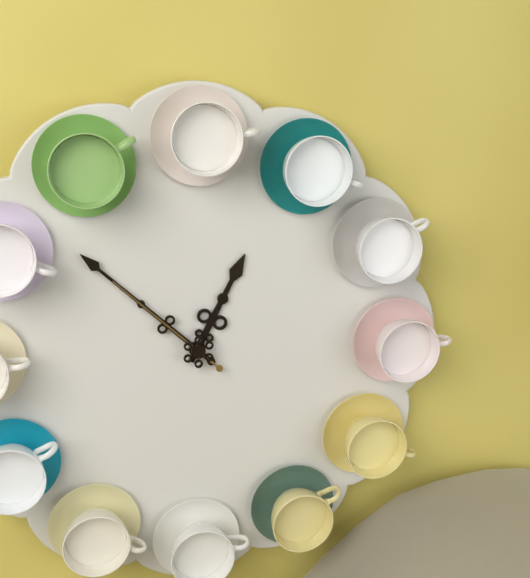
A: 12 h 52 min 52 s
